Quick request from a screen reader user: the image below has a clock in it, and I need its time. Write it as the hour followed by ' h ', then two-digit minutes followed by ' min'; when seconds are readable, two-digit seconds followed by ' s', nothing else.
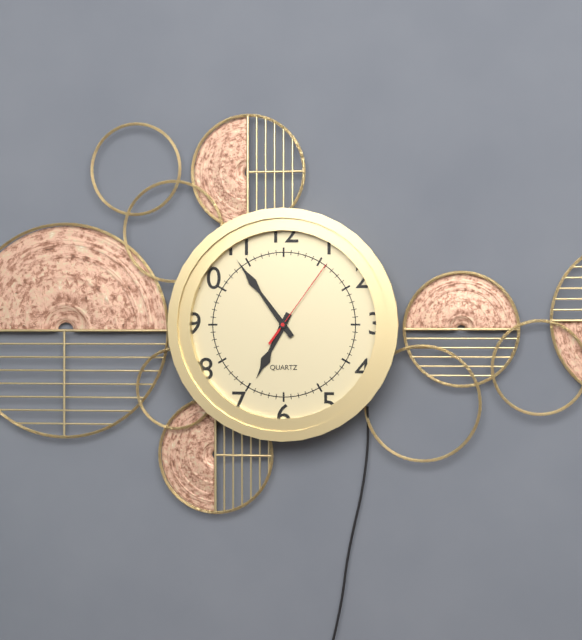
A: 6 h 54 min 06 s
